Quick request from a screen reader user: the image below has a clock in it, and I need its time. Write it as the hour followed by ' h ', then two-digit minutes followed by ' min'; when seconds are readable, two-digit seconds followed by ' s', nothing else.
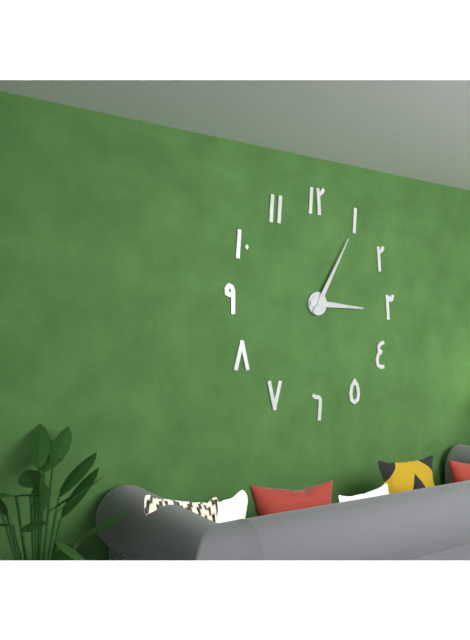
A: 3 h 05 min
